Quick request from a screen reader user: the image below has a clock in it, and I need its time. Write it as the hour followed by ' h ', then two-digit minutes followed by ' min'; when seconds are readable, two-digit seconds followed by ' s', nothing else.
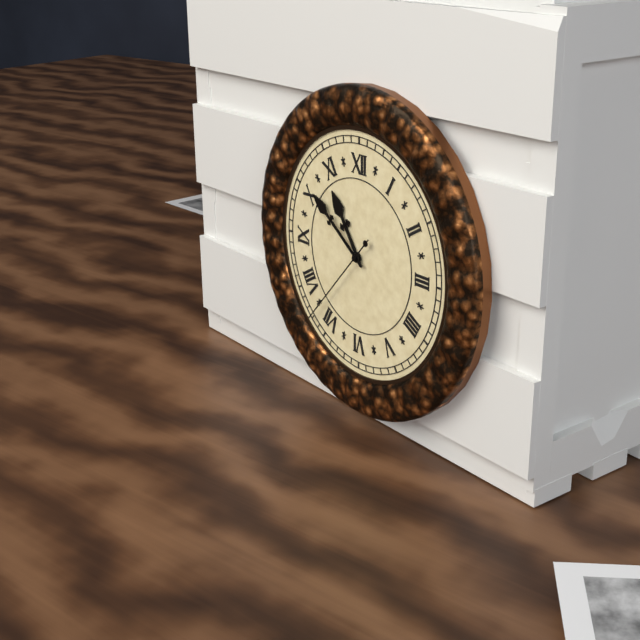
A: 10 h 51 min 37 s
